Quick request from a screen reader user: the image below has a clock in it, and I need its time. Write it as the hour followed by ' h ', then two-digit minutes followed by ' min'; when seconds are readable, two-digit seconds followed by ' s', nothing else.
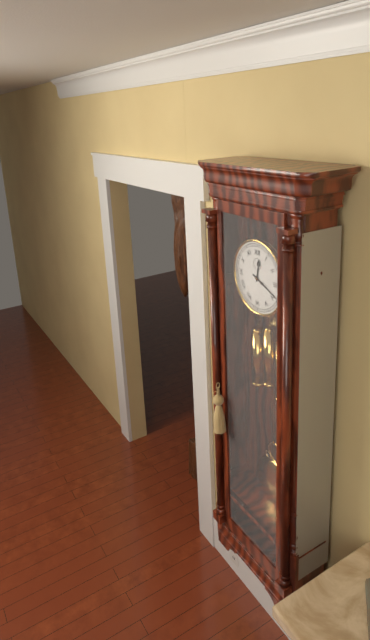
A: 12 h 19 min
